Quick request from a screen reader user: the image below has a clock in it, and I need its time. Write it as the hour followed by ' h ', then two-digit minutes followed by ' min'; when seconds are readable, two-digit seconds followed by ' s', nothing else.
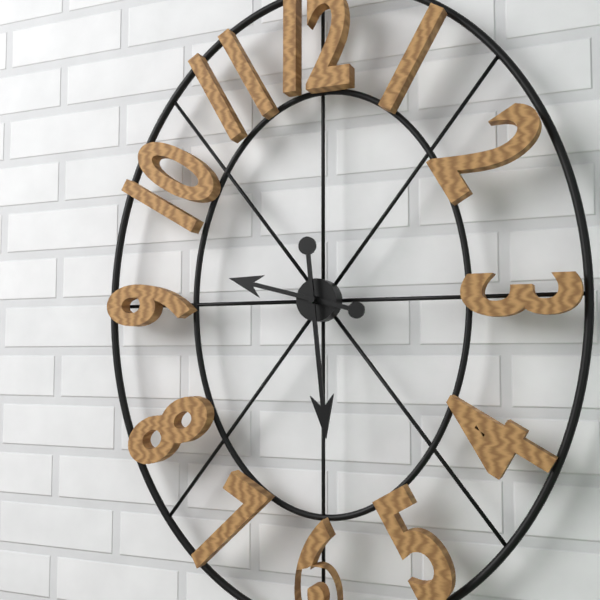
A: 9 h 29 min
